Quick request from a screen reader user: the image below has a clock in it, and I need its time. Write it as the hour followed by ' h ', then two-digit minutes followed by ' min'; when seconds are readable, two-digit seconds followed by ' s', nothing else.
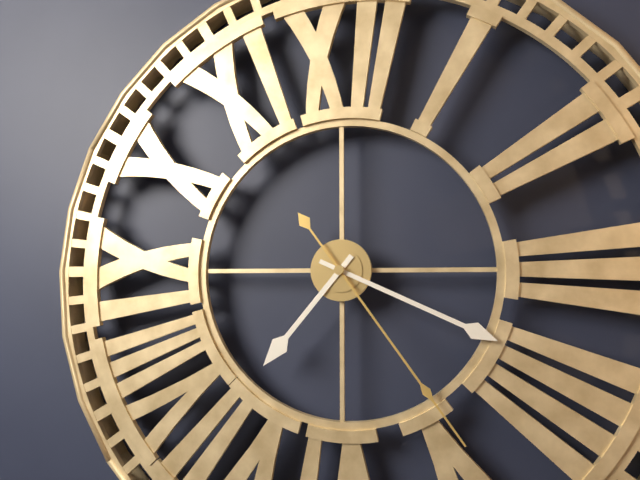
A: 7 h 19 min 24 s
